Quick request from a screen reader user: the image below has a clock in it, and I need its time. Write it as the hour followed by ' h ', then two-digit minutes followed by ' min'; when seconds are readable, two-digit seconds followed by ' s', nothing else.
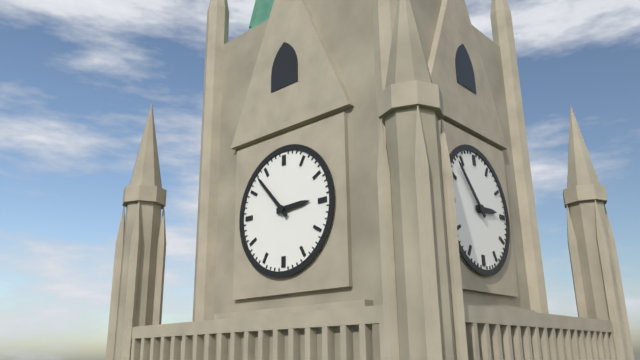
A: 2 h 53 min
